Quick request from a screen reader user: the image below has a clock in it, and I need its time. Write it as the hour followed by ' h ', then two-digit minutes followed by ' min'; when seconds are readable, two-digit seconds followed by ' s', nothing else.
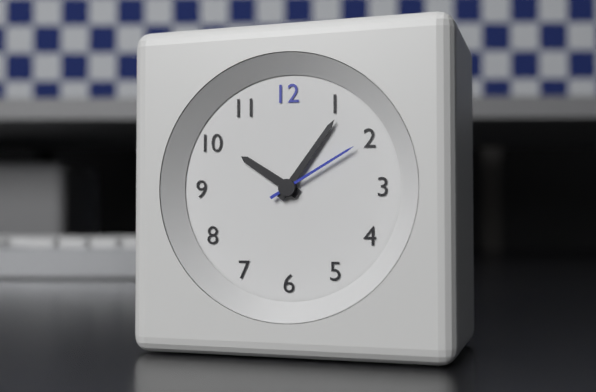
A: 10 h 06 min 10 s
